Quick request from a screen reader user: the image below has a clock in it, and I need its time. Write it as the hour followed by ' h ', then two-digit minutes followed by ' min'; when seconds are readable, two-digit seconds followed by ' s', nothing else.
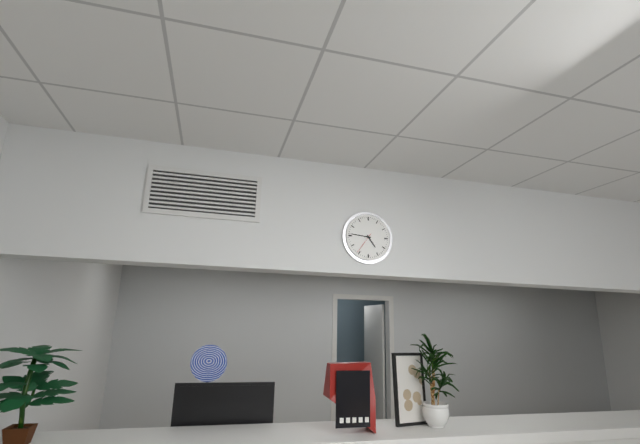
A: 4 h 46 min
